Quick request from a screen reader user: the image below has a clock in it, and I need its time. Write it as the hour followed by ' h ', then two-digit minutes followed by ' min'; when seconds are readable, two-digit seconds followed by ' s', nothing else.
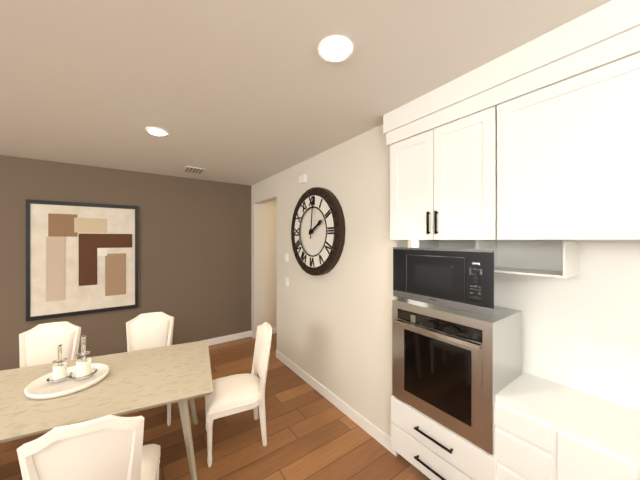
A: 2 h 01 min
